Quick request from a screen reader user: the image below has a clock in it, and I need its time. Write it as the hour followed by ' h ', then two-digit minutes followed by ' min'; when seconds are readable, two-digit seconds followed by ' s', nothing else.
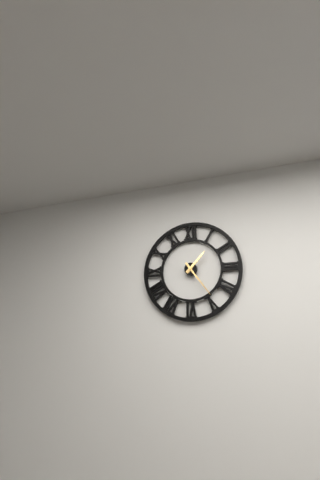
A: 1 h 24 min
